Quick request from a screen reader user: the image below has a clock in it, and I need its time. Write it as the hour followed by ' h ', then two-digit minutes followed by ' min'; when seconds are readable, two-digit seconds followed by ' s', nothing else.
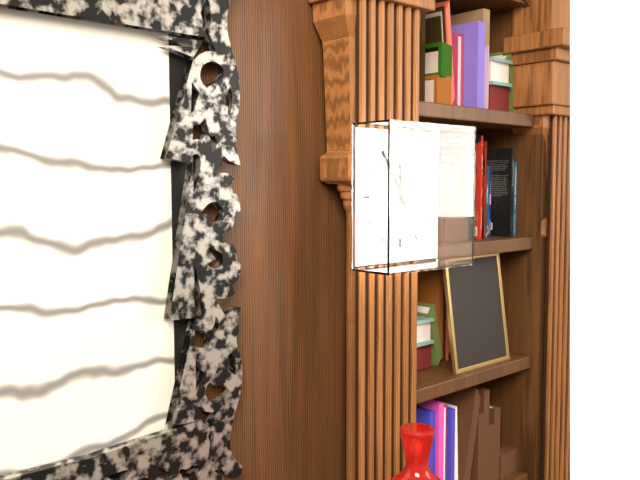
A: 11 h 55 min
